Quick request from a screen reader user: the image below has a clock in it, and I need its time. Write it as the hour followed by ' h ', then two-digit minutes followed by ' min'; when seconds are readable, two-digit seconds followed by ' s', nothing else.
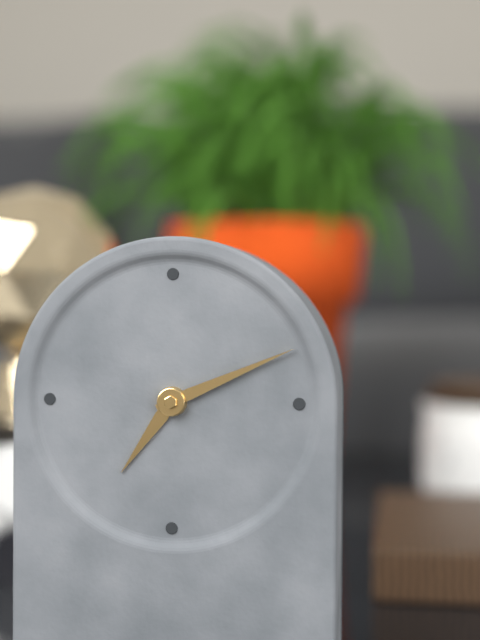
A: 7 h 11 min
